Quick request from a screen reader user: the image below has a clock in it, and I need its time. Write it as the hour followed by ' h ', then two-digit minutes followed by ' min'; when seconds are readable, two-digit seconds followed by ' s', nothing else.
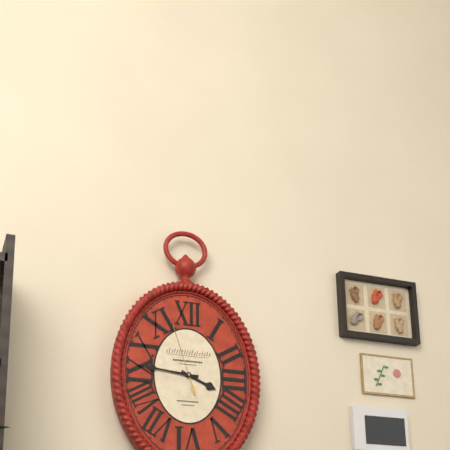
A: 3 h 46 min 57 s
